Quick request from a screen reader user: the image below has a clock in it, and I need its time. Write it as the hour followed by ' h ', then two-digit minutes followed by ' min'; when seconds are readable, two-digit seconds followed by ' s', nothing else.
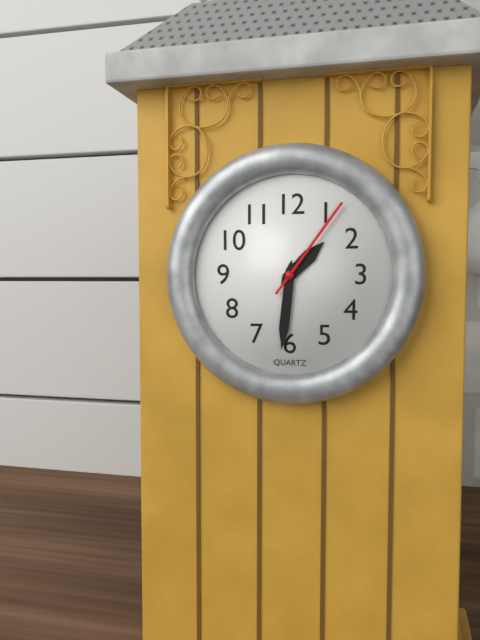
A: 1 h 31 min 06 s
